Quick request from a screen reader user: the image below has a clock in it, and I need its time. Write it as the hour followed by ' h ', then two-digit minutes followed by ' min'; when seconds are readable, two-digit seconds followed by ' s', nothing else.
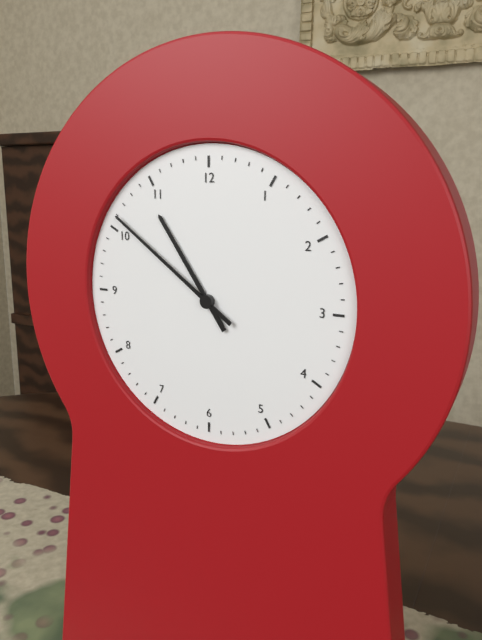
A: 10 h 51 min
